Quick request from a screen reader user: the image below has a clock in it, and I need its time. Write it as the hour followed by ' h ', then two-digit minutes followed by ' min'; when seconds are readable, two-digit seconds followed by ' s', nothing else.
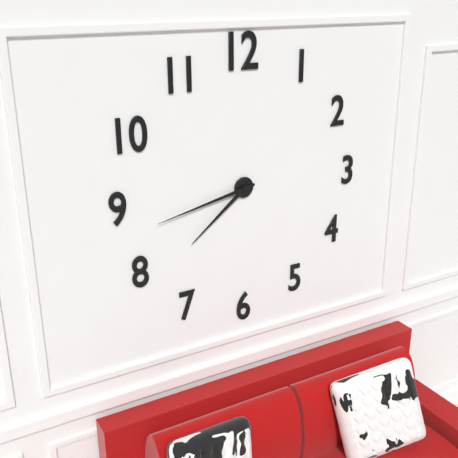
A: 7 h 43 min
